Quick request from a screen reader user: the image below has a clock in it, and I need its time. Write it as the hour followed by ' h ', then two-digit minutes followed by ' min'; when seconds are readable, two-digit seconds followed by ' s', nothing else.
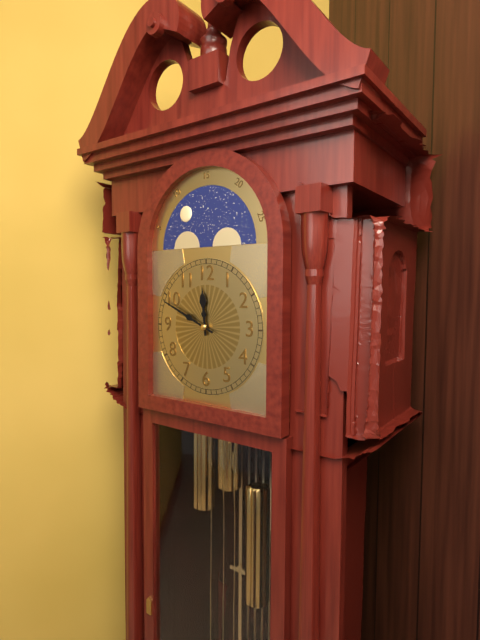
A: 11 h 49 min
